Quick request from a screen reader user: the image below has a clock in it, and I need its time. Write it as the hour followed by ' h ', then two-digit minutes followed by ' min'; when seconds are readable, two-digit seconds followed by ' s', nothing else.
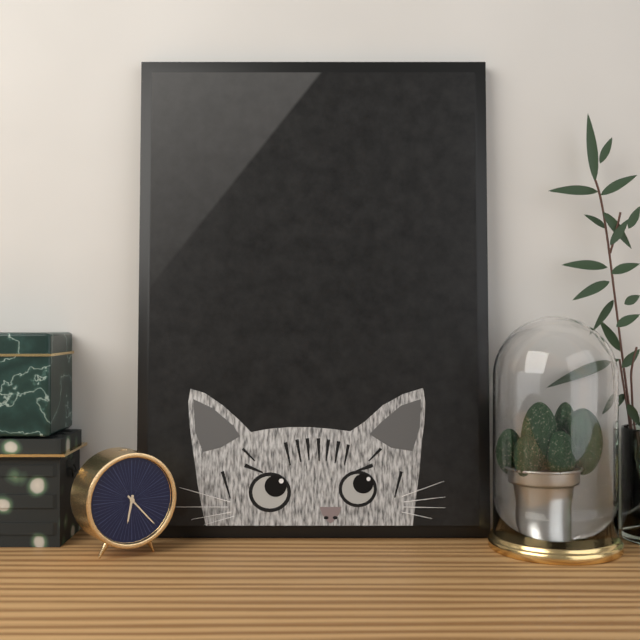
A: 6 h 23 min
